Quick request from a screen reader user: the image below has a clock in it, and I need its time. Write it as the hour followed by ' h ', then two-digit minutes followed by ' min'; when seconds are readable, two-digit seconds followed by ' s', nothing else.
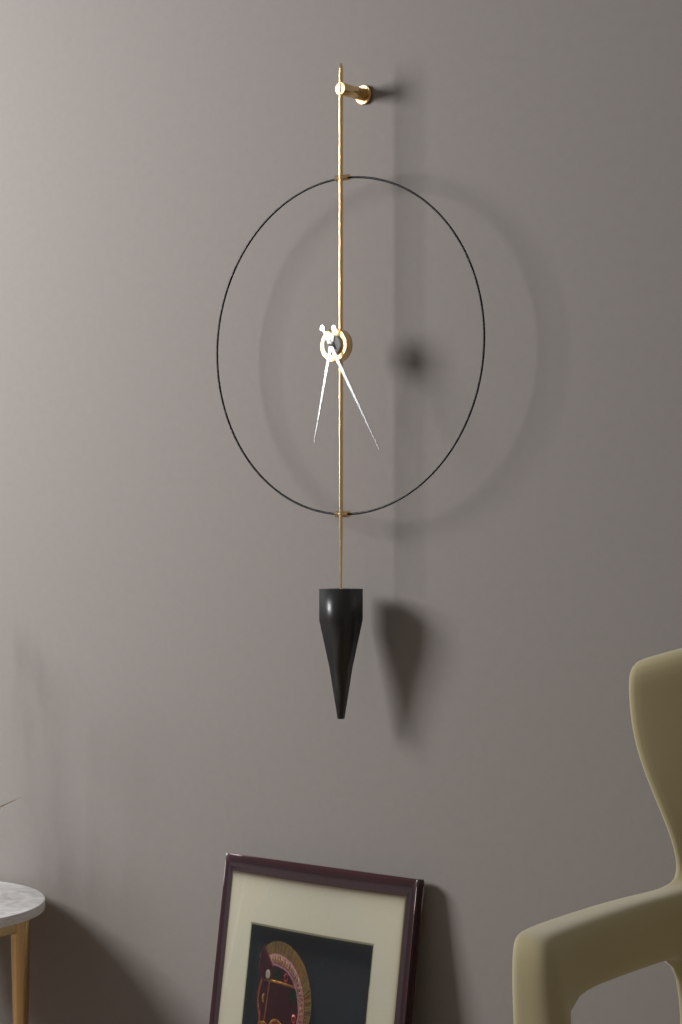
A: 6 h 25 min
